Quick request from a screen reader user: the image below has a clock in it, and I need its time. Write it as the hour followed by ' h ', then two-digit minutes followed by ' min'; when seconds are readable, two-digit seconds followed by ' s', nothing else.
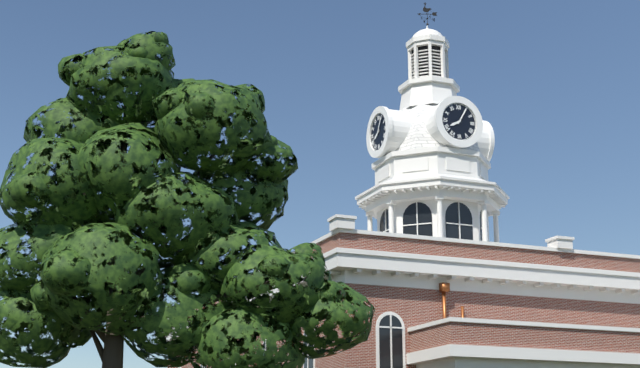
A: 8 h 05 min
